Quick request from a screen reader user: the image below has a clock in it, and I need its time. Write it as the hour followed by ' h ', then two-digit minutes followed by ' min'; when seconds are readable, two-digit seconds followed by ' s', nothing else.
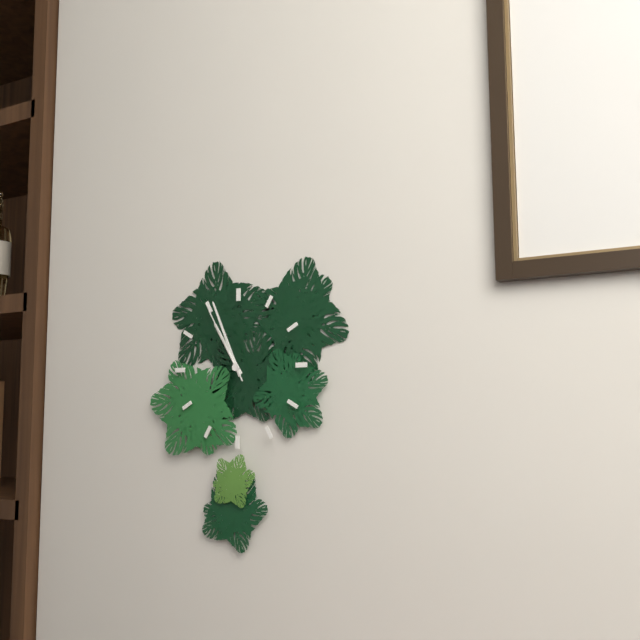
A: 10 h 56 min 55 s
